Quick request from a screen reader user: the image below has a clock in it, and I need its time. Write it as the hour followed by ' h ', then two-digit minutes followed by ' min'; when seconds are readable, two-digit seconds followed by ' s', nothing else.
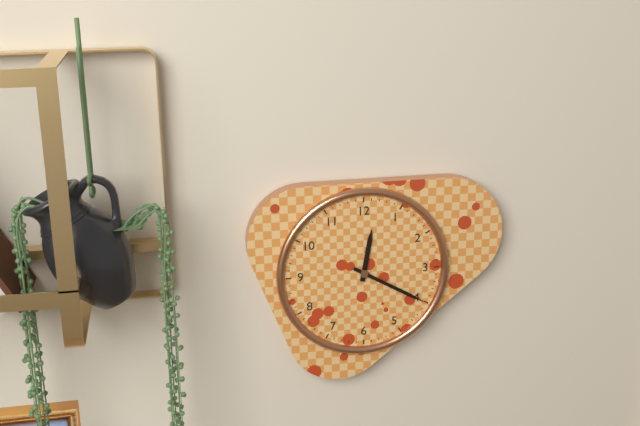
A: 12 h 20 min
